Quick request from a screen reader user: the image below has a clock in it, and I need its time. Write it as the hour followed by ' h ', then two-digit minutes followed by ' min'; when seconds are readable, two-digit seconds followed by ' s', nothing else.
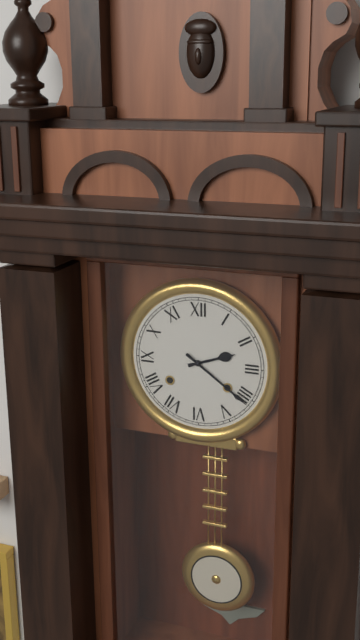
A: 2 h 21 min
